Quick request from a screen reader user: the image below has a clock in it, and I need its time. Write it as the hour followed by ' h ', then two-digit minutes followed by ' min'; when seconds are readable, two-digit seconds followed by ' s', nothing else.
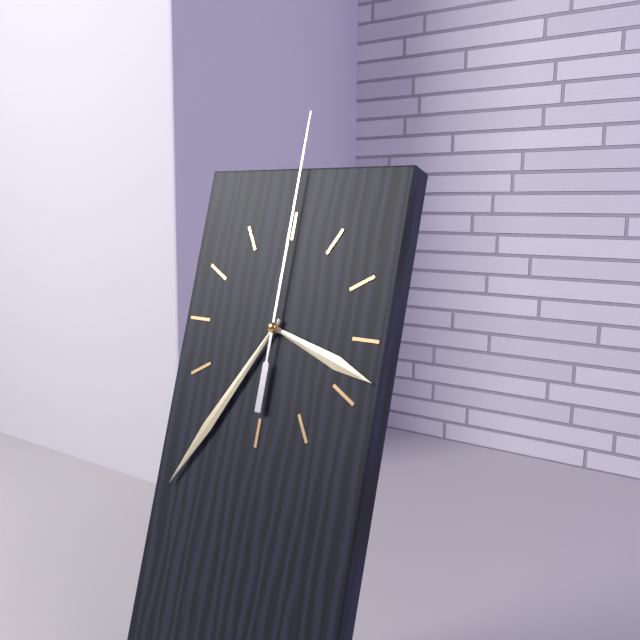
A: 3 h 35 min 00 s
